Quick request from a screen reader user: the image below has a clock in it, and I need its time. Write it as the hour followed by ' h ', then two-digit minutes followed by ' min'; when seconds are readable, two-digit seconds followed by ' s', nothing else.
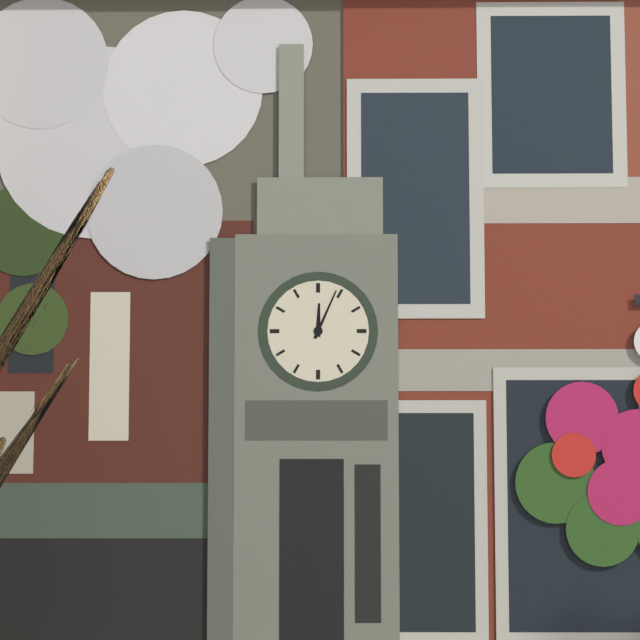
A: 12 h 04 min
